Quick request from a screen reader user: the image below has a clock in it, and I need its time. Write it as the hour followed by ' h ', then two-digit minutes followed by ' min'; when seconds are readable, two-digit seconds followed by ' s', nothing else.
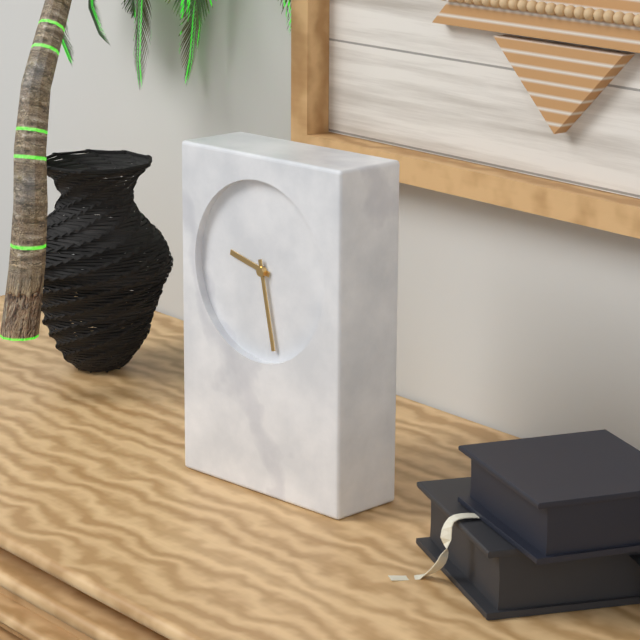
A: 9 h 28 min
